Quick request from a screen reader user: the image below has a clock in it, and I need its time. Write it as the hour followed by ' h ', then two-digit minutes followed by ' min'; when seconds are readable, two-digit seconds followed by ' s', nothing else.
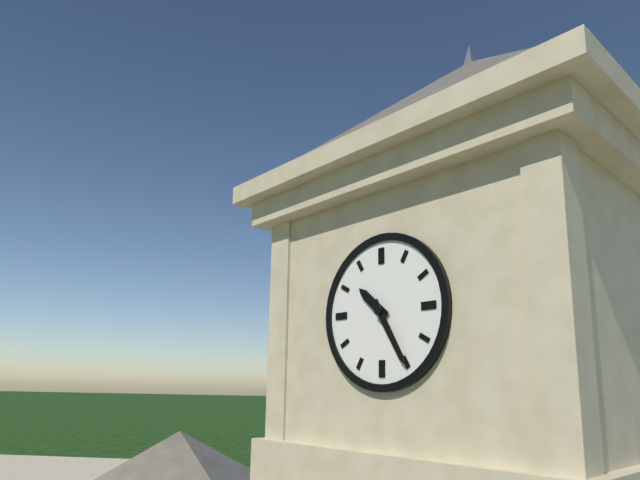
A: 10 h 25 min
